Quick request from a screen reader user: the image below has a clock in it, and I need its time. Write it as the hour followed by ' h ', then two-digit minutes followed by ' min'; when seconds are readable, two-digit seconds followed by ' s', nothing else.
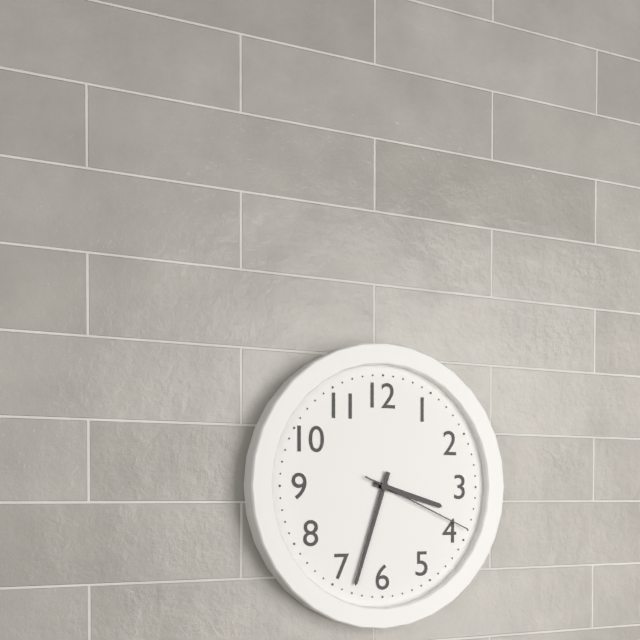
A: 3 h 33 min 19 s
